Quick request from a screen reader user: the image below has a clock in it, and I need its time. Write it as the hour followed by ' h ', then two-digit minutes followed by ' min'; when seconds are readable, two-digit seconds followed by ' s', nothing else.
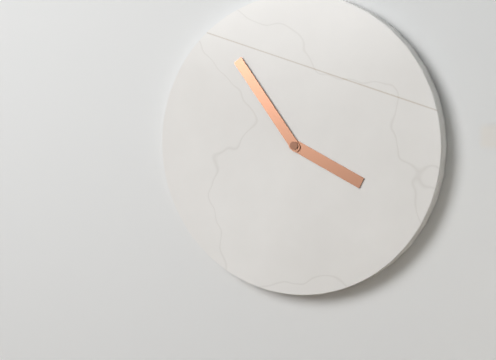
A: 3 h 54 min
